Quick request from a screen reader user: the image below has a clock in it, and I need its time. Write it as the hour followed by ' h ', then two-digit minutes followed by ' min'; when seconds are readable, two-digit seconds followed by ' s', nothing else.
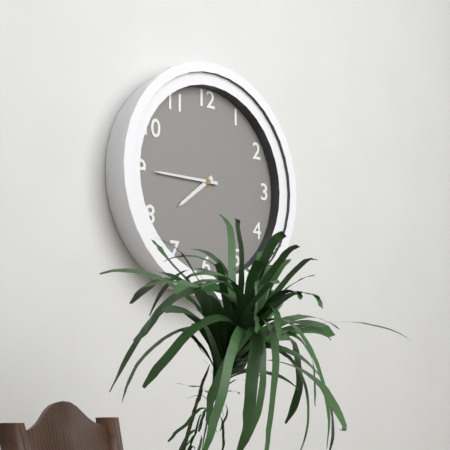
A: 7 h 45 min
